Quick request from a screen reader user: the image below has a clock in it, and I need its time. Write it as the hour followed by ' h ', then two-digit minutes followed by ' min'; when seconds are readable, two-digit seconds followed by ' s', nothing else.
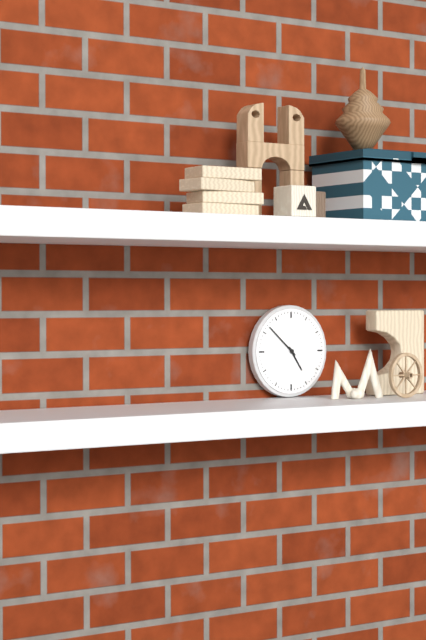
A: 4 h 52 min
